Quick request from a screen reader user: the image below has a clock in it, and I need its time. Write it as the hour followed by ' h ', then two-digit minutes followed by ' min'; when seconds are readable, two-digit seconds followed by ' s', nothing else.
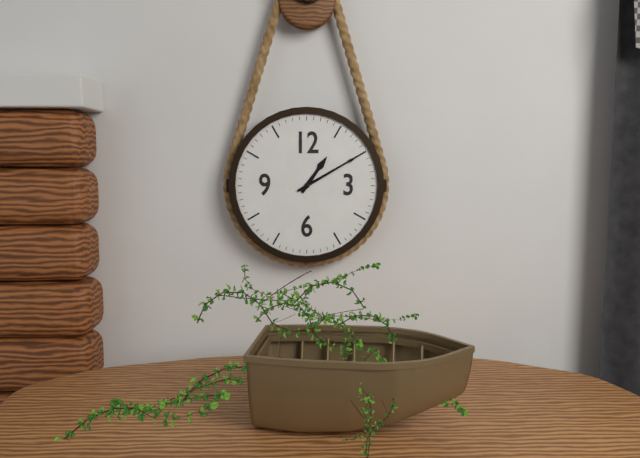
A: 1 h 10 min
